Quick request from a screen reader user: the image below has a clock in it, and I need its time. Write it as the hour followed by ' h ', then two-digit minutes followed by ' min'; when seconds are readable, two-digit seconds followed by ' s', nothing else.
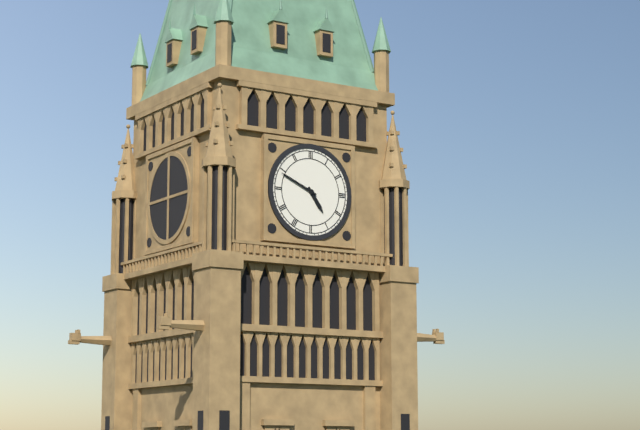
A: 4 h 49 min
